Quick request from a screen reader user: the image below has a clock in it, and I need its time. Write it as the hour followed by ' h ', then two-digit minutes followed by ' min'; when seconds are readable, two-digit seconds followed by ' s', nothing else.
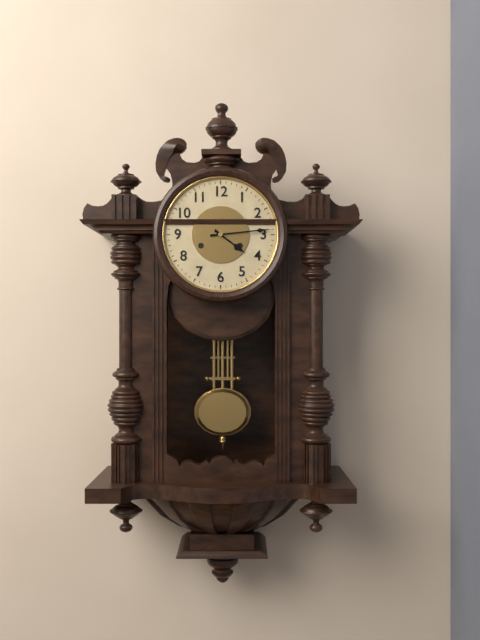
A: 4 h 14 min
